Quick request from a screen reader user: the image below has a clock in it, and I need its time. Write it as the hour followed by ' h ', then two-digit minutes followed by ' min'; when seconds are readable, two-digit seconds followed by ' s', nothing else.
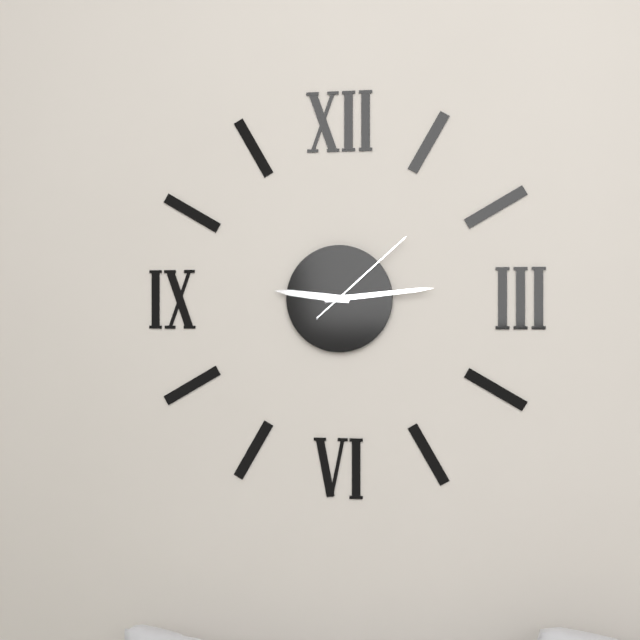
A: 9 h 14 min 08 s
